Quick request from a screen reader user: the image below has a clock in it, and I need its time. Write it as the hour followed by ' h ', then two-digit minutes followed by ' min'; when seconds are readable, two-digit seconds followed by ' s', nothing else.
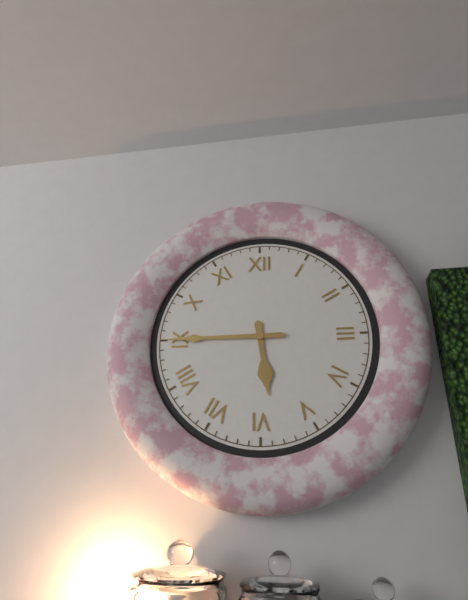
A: 5 h 45 min
